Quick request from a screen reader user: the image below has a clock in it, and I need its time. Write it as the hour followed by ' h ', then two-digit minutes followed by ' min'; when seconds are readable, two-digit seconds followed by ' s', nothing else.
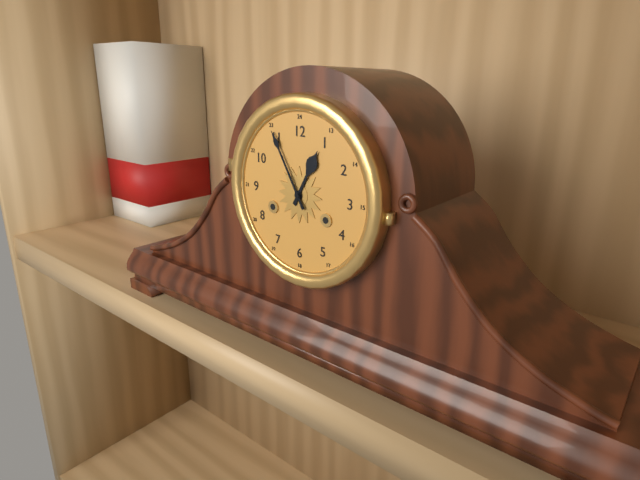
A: 12 h 55 min
